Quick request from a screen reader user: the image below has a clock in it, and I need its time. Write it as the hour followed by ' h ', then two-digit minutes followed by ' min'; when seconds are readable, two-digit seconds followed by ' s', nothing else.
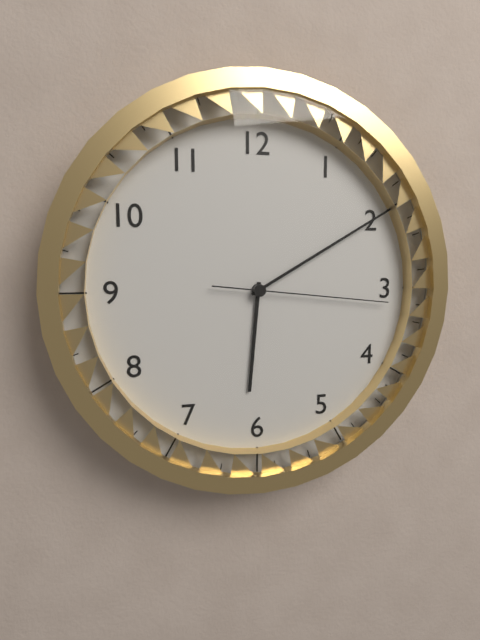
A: 6 h 10 min 16 s
